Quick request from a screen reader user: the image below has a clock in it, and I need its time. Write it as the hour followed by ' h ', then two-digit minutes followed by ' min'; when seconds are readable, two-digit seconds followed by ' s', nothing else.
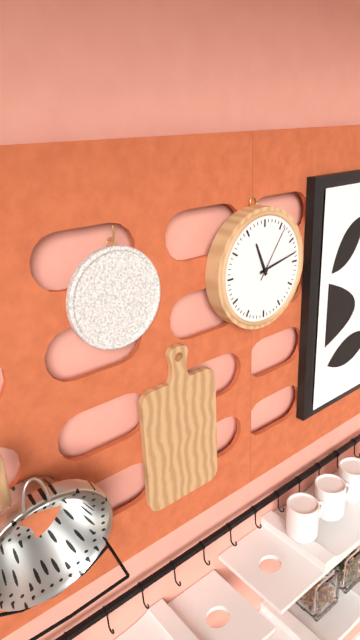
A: 11 h 13 min 06 s
